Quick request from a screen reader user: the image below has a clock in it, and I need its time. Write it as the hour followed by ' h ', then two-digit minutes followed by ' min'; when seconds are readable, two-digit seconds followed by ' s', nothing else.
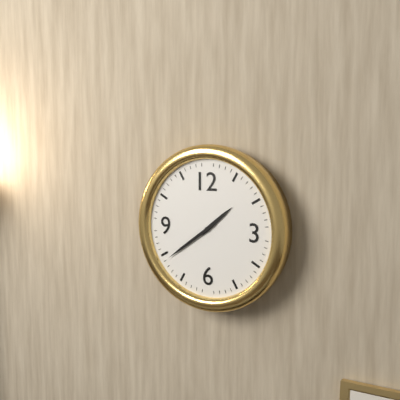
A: 1 h 39 min
